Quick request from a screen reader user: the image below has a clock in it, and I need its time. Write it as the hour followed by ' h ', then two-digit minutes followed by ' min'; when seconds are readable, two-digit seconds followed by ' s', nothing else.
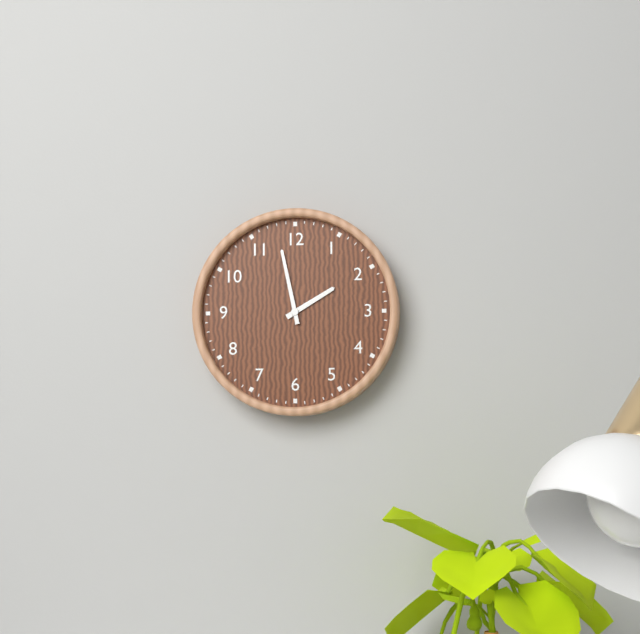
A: 1 h 58 min
